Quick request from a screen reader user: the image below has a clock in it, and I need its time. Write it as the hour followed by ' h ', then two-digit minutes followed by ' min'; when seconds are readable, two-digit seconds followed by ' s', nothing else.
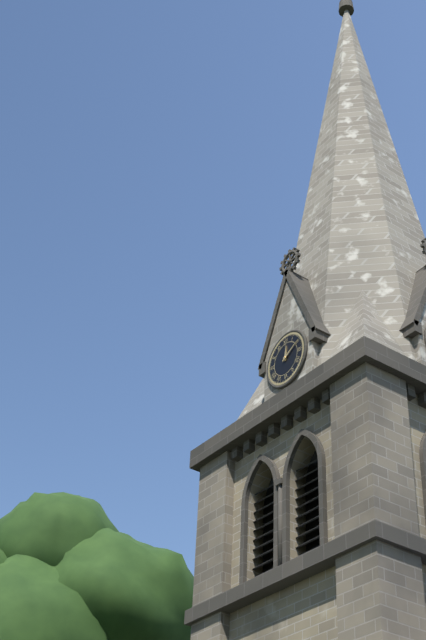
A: 12 h 10 min
